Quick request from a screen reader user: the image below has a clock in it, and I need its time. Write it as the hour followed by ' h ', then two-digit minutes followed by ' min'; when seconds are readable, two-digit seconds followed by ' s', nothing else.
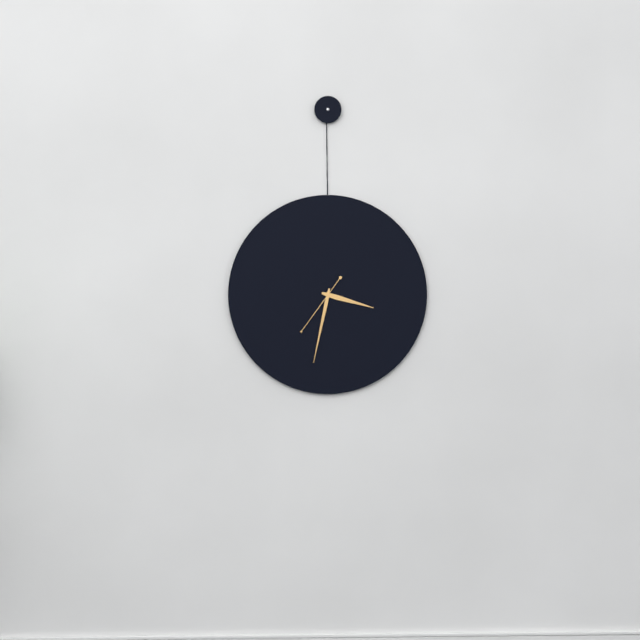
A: 3 h 32 min 36 s
